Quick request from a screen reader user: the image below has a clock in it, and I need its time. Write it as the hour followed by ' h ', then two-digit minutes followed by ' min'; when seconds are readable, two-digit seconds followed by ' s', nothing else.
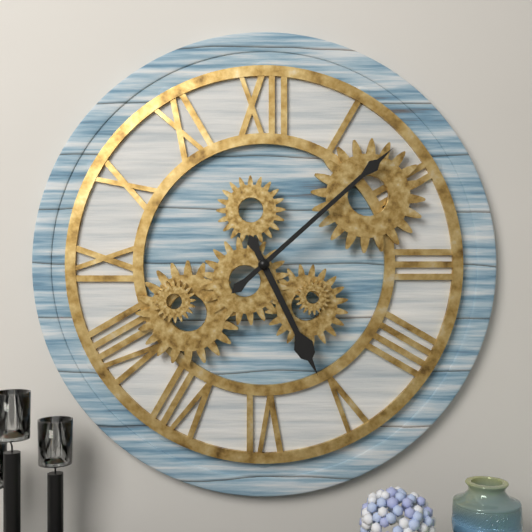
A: 5 h 08 min
